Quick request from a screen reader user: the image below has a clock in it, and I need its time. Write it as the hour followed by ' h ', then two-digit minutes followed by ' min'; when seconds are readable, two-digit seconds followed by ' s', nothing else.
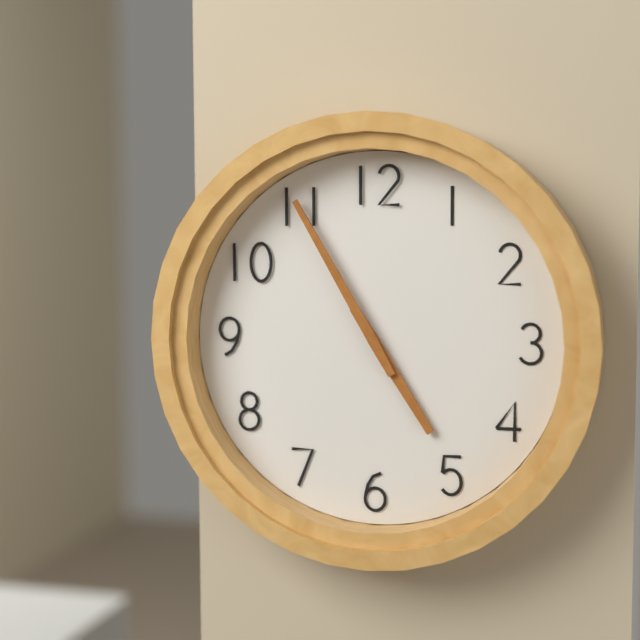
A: 4 h 55 min
